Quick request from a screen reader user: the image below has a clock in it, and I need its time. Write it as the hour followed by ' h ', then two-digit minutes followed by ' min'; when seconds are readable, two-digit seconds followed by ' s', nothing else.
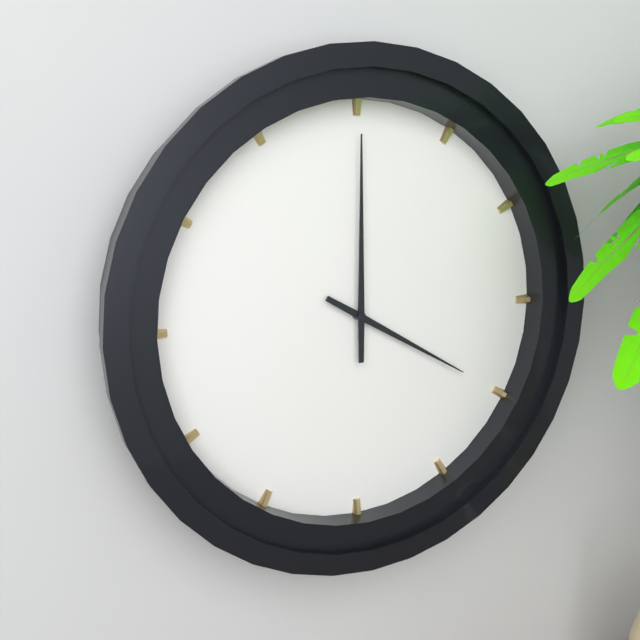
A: 4 h 00 min
